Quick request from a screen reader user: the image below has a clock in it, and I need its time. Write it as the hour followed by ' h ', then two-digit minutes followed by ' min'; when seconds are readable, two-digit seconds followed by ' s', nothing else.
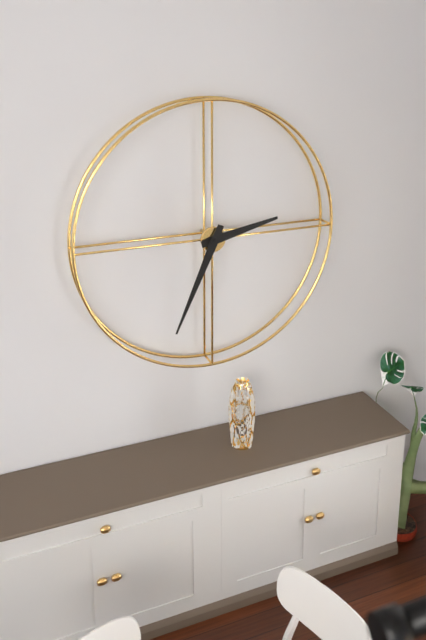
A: 2 h 34 min
